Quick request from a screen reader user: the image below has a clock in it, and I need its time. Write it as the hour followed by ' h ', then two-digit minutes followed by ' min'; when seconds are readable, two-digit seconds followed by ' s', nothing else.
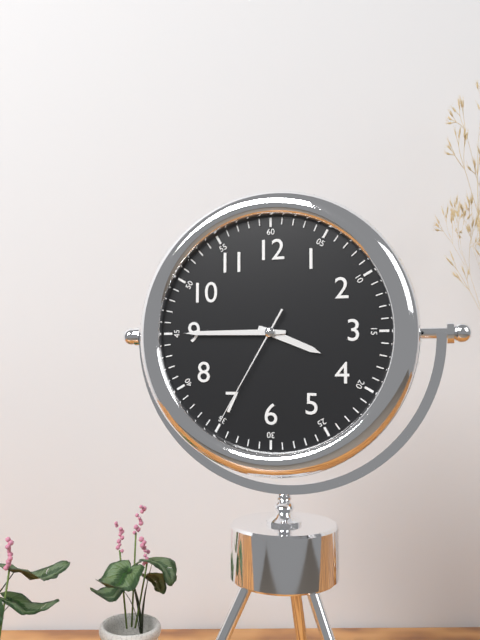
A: 3 h 45 min 35 s
